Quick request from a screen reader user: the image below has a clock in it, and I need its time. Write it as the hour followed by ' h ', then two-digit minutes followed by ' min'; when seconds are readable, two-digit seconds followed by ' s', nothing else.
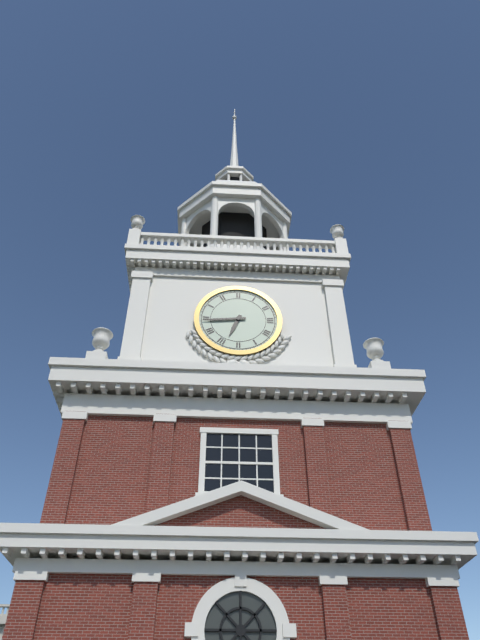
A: 6 h 44 min
